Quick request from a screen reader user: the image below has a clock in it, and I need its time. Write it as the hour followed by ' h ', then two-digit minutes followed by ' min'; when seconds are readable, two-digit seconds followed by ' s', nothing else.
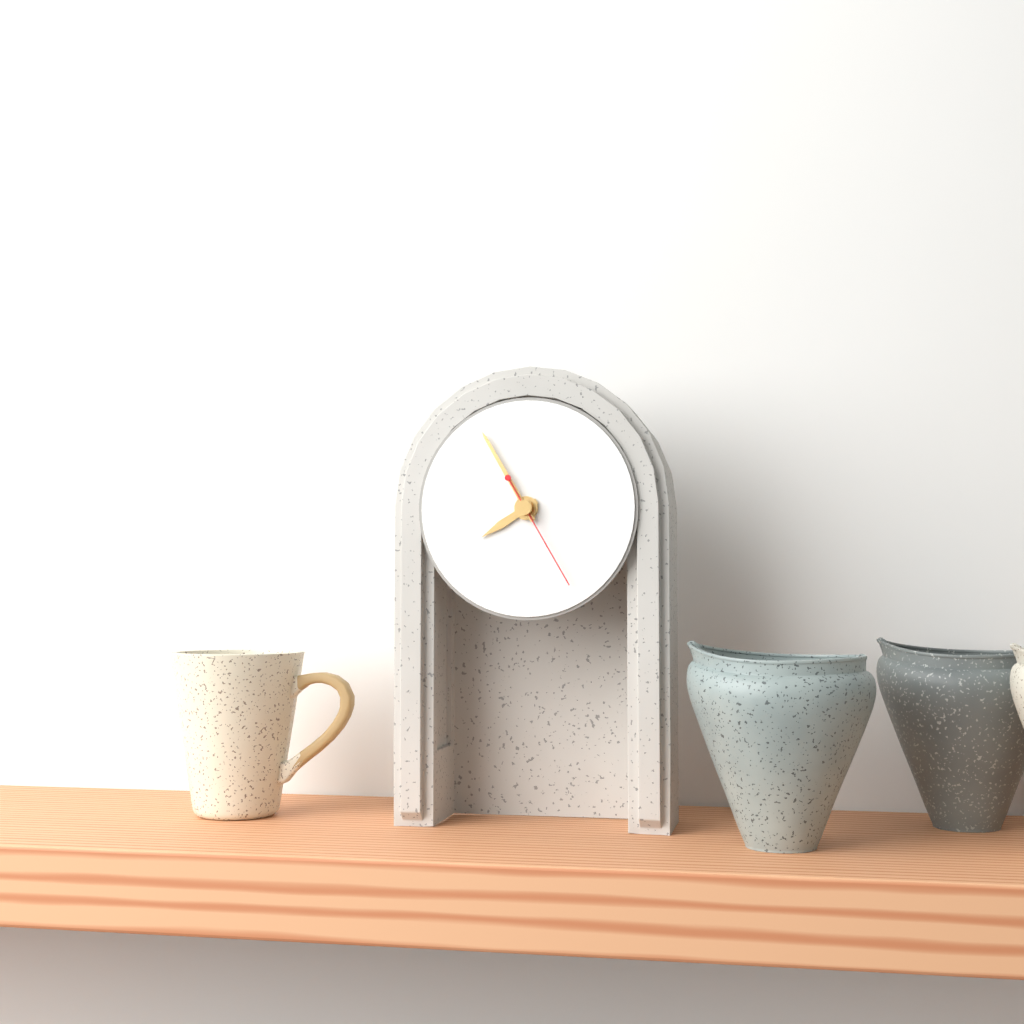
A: 7 h 55 min 25 s
